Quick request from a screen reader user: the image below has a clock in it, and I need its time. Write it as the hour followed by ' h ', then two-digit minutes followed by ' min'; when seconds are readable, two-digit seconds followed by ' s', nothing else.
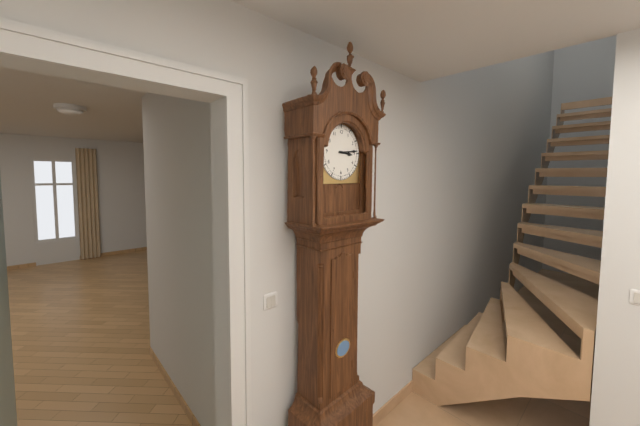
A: 3 h 14 min
